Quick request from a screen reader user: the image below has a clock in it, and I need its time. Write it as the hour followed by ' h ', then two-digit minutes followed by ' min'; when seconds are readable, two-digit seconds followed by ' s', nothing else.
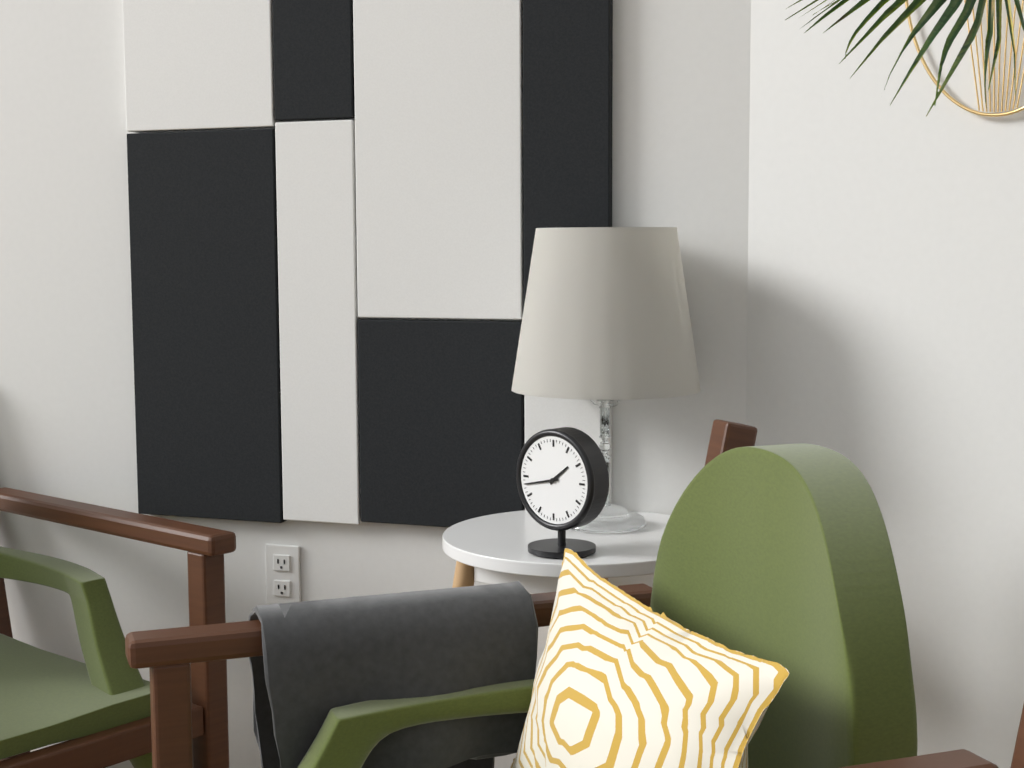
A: 1 h 43 min
